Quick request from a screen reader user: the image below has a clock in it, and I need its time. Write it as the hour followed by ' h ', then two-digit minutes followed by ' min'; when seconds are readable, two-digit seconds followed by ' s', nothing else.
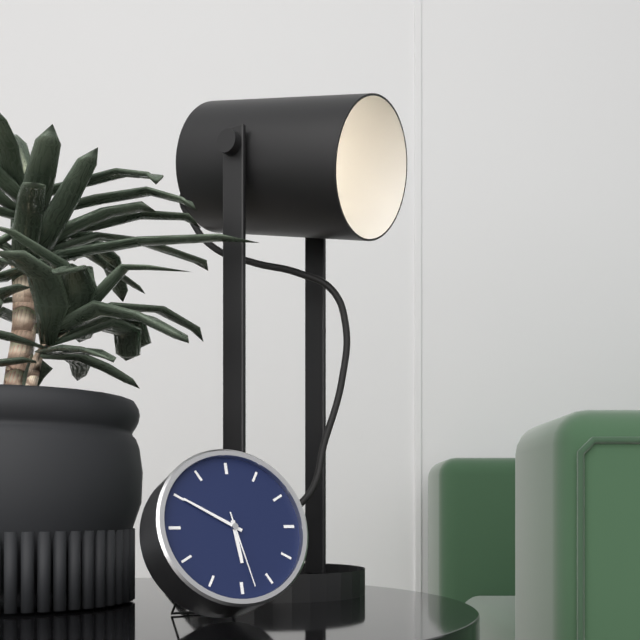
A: 5 h 50 min 28 s
